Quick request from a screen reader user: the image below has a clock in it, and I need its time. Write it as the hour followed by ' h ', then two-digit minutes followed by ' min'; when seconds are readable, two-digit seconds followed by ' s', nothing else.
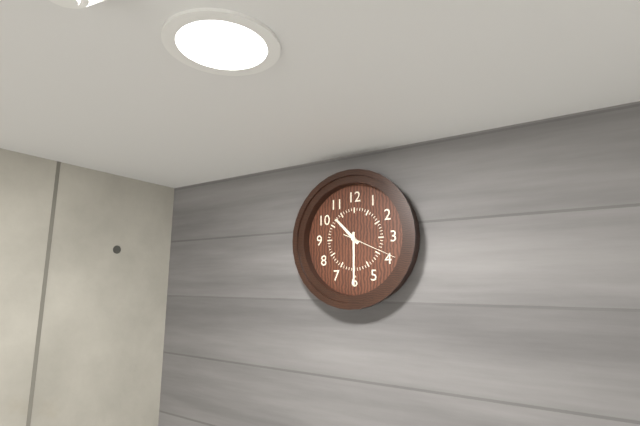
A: 10 h 30 min 19 s
